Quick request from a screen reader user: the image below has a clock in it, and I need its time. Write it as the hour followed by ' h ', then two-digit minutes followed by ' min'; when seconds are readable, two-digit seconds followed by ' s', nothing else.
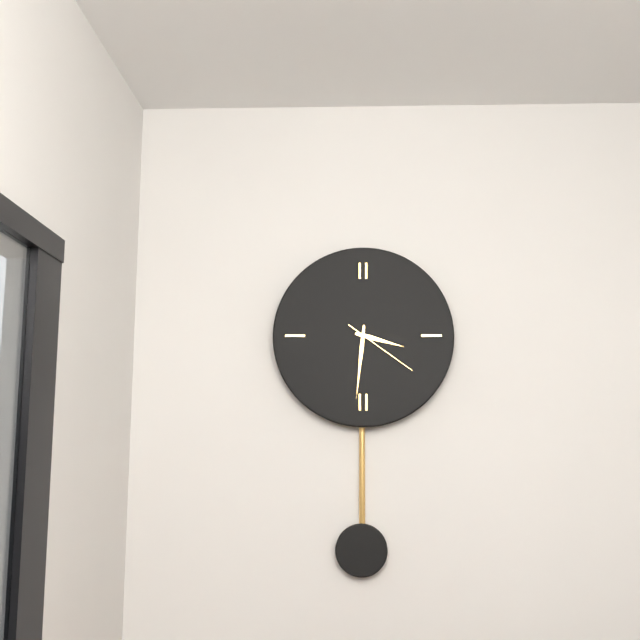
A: 3 h 31 min 21 s
